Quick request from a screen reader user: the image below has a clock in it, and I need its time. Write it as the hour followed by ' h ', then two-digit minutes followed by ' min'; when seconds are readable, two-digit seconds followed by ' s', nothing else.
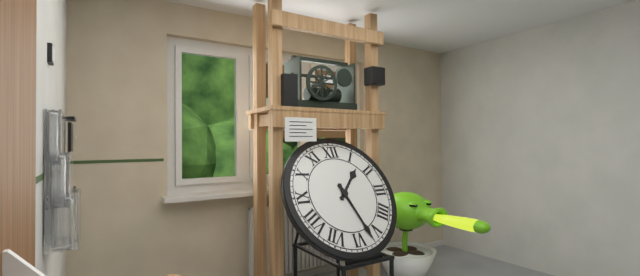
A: 1 h 27 min
